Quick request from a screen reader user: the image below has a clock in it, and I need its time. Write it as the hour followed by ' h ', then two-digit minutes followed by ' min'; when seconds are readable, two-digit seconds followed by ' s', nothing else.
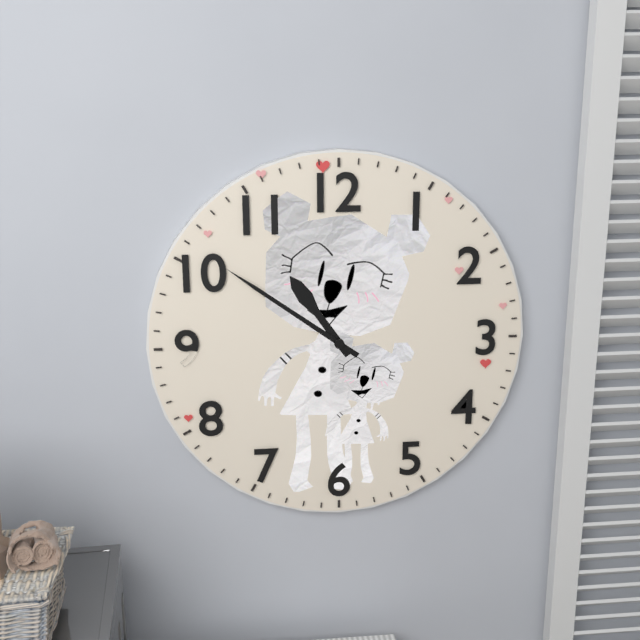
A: 10 h 51 min
